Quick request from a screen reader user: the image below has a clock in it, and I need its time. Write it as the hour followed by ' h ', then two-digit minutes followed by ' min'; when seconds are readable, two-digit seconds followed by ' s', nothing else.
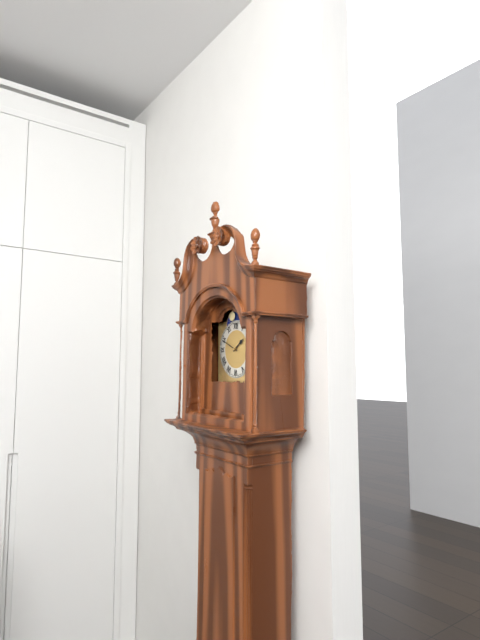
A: 1 h 49 min
